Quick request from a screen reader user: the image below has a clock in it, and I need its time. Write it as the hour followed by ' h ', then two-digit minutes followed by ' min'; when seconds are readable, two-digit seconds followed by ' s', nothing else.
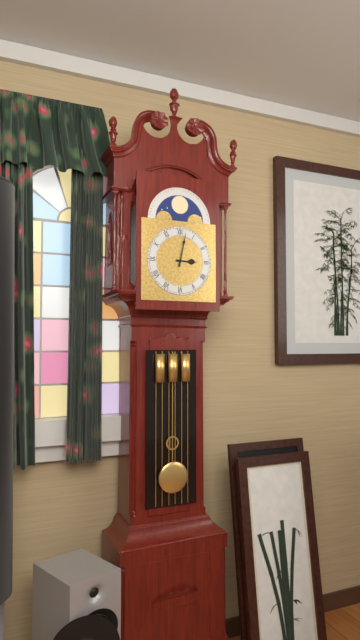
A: 3 h 02 min
